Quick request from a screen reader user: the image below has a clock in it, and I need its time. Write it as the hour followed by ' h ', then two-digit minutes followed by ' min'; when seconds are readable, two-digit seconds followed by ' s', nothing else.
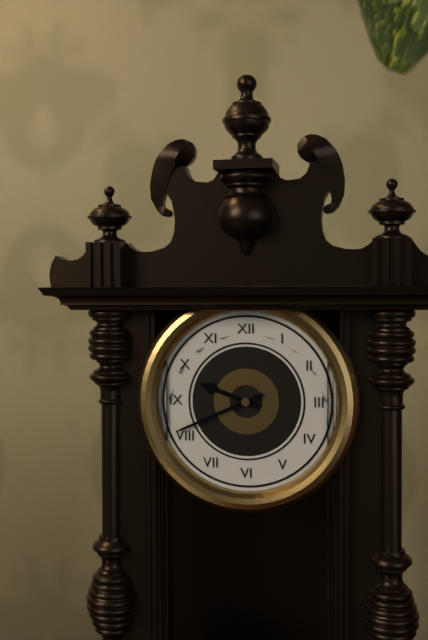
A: 9 h 41 min
